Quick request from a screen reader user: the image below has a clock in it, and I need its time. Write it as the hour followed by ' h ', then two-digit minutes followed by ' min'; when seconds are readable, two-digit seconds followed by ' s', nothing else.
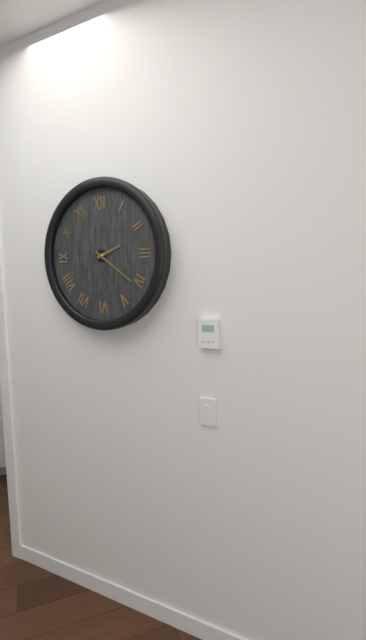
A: 2 h 21 min
